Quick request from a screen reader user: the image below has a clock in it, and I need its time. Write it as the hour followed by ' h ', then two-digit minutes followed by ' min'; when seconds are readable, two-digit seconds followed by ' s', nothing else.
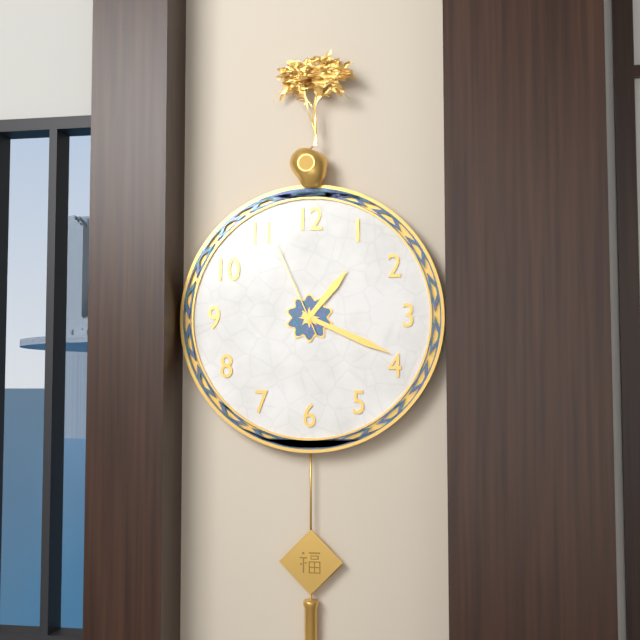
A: 1 h 19 min 56 s
